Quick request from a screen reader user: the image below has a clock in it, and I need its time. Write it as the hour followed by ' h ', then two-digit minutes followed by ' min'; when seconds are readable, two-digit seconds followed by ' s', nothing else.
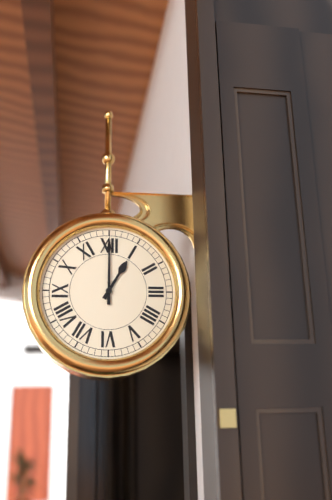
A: 1 h 00 min
